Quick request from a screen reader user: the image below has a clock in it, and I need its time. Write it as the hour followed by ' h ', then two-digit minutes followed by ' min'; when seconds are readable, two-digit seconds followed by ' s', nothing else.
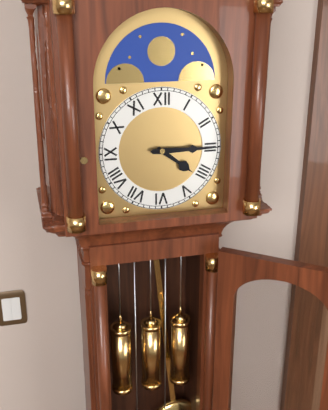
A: 4 h 15 min
